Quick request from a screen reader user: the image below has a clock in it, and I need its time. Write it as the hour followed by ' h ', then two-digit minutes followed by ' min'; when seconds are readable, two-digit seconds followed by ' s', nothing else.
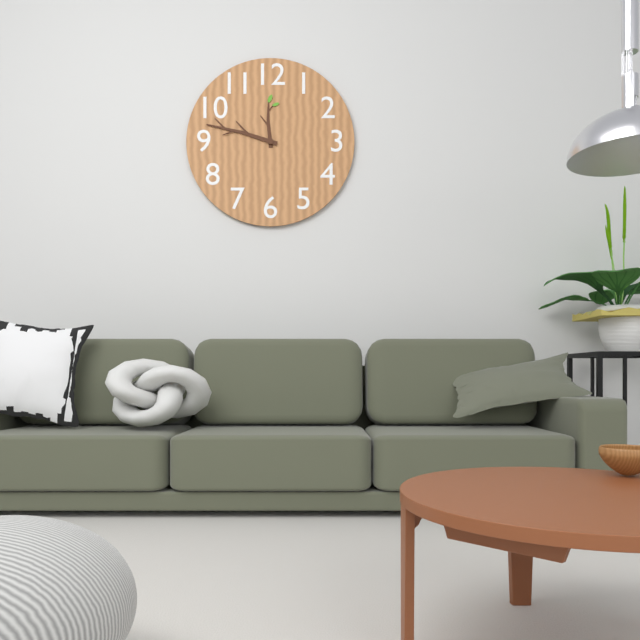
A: 11 h 48 min
